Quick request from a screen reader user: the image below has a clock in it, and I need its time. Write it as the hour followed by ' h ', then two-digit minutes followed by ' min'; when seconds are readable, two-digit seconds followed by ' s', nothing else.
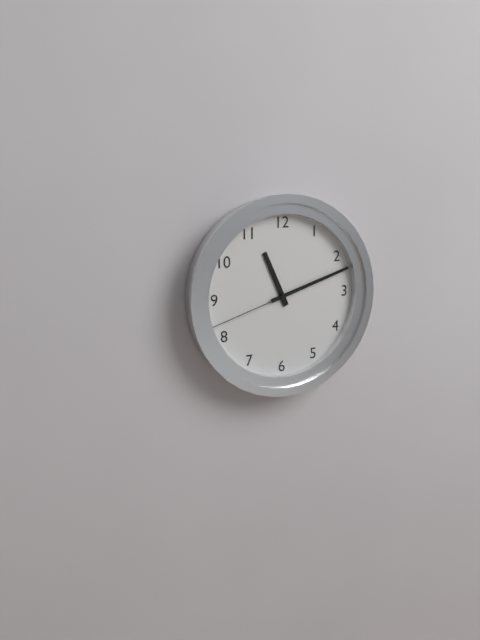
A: 11 h 12 min 42 s
